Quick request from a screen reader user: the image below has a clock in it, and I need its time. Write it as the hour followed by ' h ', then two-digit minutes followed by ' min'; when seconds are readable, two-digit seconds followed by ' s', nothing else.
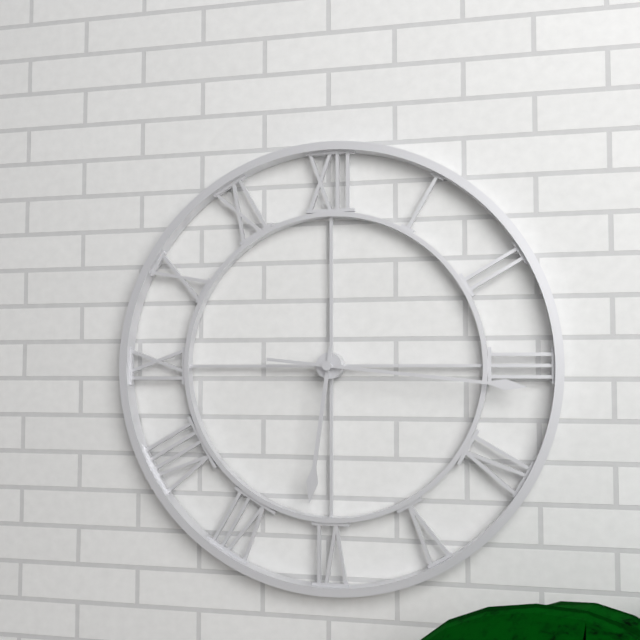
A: 6 h 16 min
